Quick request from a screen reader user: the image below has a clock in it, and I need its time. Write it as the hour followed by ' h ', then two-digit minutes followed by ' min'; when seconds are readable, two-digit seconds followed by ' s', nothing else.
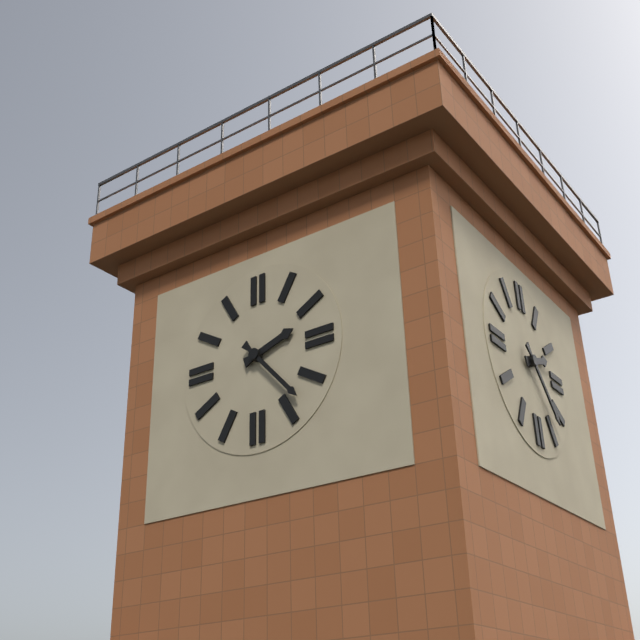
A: 2 h 23 min
